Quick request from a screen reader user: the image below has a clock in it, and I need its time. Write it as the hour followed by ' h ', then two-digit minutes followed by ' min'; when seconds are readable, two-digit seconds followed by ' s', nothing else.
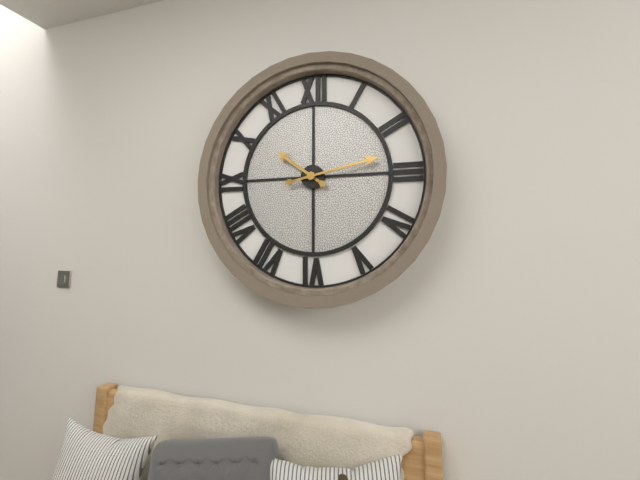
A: 10 h 13 min
